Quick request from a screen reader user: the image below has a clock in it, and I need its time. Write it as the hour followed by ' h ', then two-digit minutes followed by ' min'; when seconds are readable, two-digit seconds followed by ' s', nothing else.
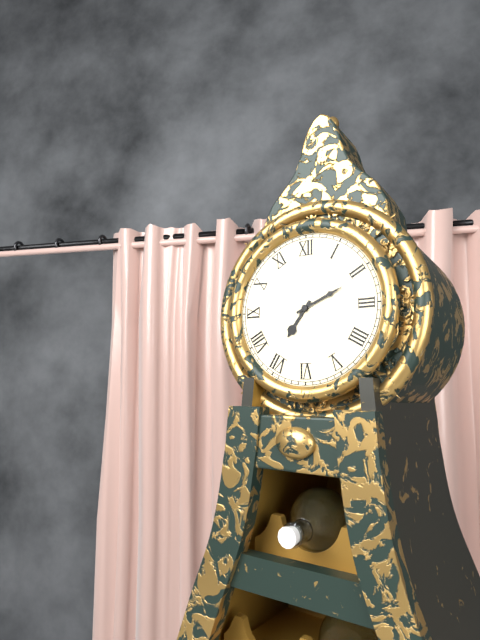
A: 7 h 11 min
